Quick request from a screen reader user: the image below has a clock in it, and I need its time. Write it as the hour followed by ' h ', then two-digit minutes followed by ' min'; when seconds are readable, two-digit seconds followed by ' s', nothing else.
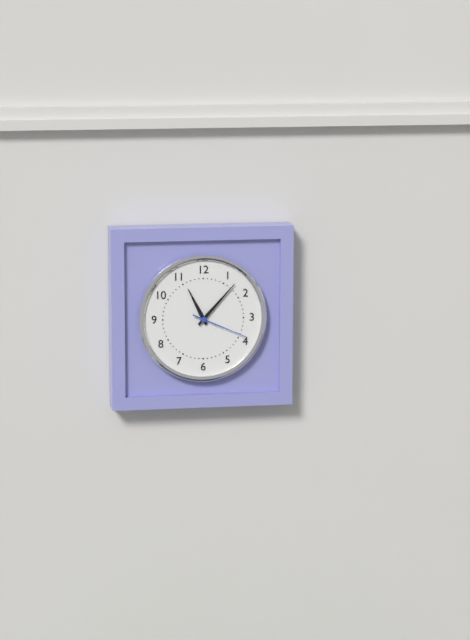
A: 11 h 07 min 19 s
